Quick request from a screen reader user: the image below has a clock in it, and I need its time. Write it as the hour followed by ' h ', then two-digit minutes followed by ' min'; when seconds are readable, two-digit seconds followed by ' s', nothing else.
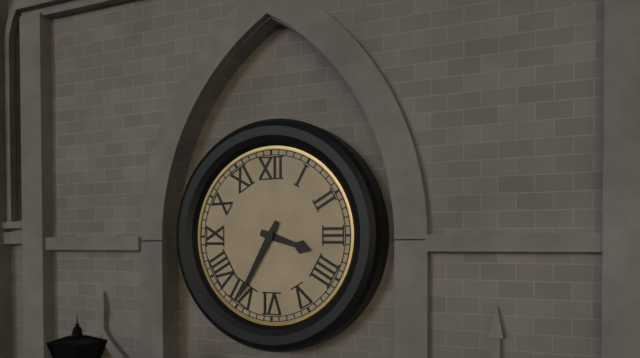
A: 3 h 35 min
